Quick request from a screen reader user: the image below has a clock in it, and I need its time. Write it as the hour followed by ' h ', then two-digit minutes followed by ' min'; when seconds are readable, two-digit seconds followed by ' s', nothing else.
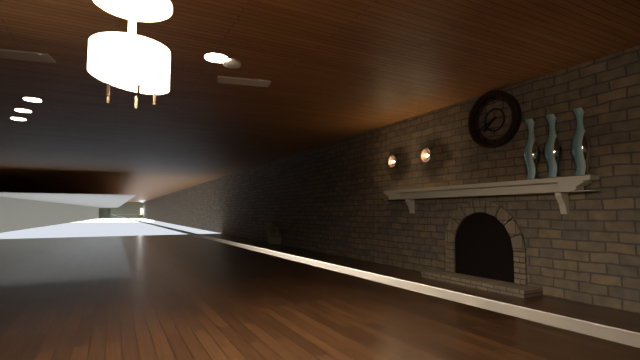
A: 7 h 41 min
